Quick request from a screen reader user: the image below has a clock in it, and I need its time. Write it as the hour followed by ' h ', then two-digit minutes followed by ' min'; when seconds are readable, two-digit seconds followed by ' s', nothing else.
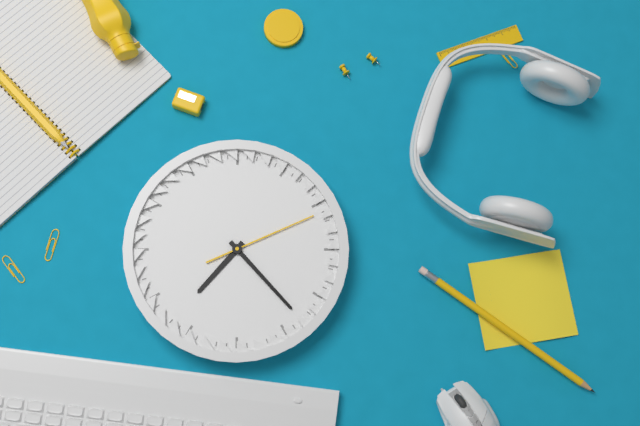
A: 7 h 23 min 11 s
